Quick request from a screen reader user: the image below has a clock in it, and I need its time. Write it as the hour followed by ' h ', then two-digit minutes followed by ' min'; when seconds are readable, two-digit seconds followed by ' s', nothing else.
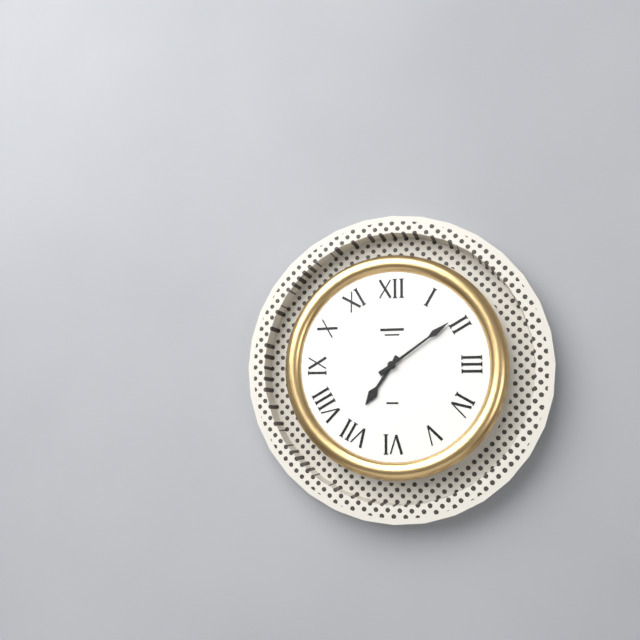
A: 7 h 09 min
